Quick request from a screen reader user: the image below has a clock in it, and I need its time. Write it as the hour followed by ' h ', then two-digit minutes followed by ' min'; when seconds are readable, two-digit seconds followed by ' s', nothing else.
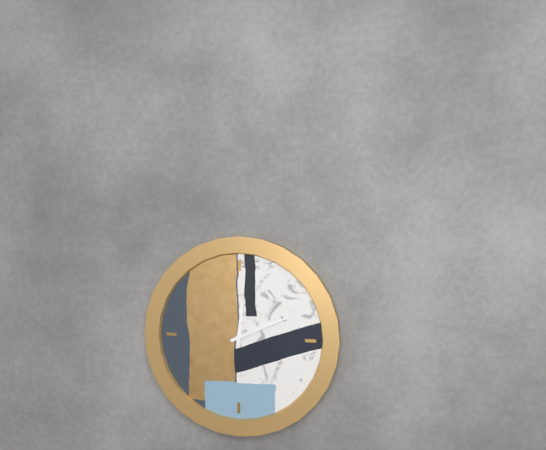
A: 12 h 11 min
